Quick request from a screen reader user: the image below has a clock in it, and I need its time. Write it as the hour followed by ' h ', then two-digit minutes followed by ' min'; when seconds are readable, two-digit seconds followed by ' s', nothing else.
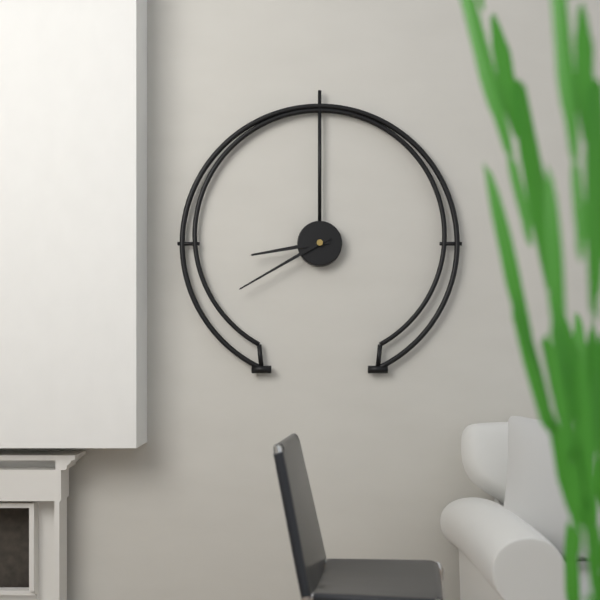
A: 8 h 40 min
